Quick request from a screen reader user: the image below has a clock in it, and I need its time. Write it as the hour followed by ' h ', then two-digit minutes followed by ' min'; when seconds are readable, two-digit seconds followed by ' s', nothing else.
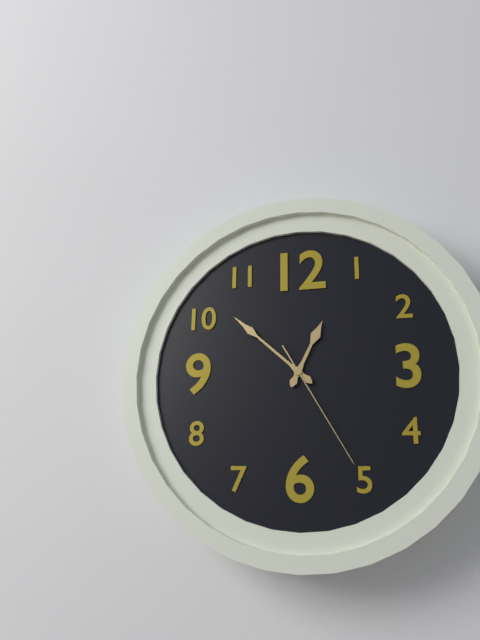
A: 12 h 52 min 25 s
